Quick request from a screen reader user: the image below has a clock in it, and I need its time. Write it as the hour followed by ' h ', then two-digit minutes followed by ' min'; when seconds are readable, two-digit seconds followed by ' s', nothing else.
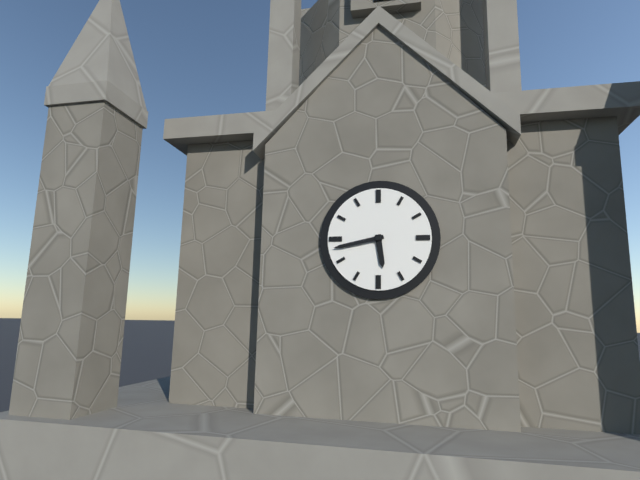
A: 5 h 43 min
